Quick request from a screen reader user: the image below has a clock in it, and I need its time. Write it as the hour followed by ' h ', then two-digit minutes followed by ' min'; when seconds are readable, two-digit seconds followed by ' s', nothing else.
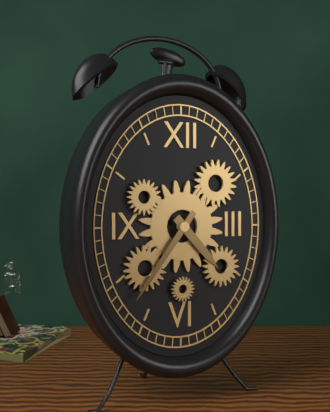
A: 4 h 36 min
